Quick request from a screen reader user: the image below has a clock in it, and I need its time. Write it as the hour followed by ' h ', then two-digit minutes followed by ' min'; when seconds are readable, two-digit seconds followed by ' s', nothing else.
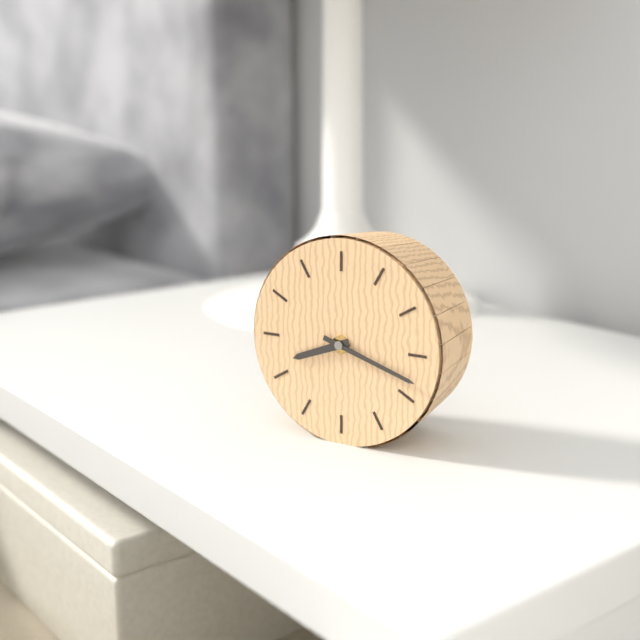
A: 8 h 18 min
